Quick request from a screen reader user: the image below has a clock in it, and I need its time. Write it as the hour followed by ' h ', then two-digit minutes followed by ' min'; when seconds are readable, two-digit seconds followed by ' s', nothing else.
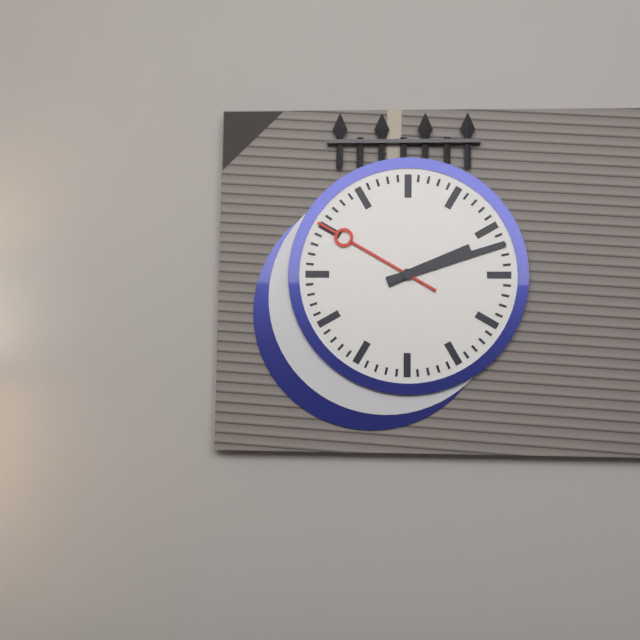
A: 2 h 12 min 50 s
